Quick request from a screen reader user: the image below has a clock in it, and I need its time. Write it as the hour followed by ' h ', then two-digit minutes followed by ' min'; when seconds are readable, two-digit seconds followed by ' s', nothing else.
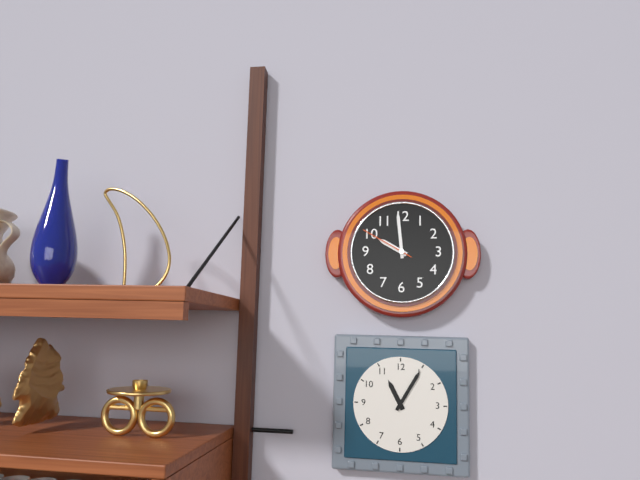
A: 9 h 59 min 50 s
